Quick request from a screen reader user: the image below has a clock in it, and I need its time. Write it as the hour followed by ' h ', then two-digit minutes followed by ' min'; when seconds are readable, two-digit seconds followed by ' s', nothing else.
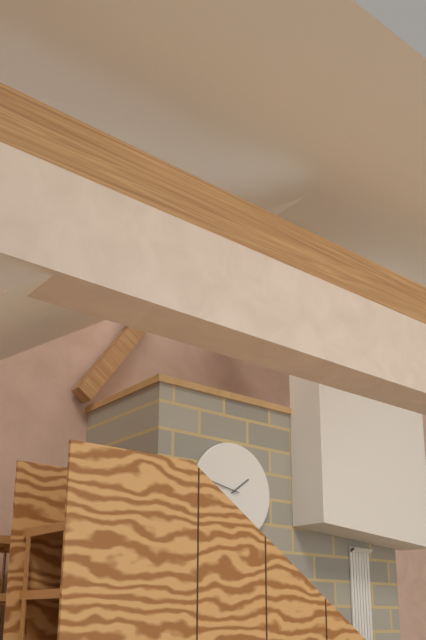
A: 1 h 47 min
